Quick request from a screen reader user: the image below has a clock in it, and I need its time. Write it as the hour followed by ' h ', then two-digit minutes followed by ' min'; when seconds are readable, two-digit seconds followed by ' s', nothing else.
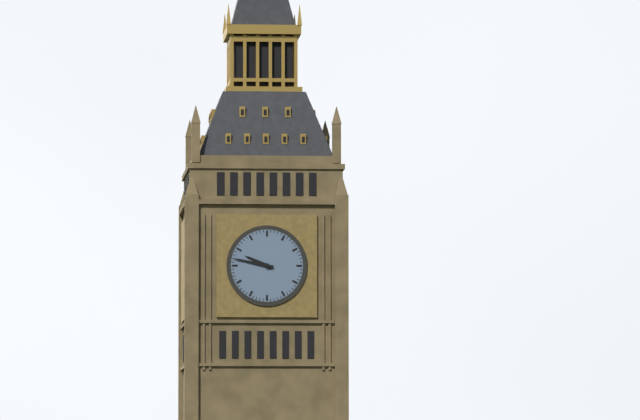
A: 9 h 47 min
